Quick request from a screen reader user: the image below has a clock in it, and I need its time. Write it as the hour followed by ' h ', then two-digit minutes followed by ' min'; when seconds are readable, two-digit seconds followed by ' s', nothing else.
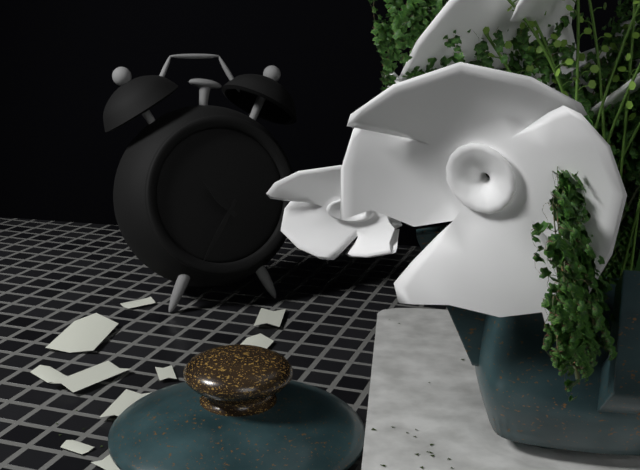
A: 10 h 35 min
